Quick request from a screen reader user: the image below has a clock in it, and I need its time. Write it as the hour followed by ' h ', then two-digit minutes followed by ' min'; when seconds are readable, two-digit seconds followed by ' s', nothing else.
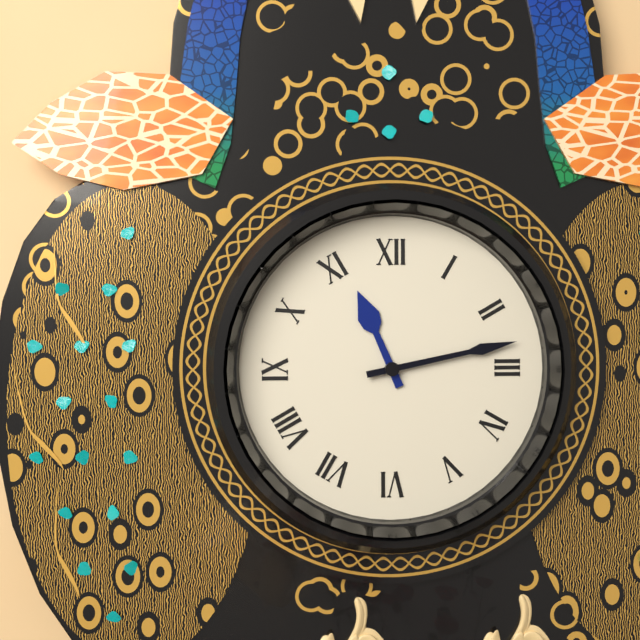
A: 11 h 13 min
